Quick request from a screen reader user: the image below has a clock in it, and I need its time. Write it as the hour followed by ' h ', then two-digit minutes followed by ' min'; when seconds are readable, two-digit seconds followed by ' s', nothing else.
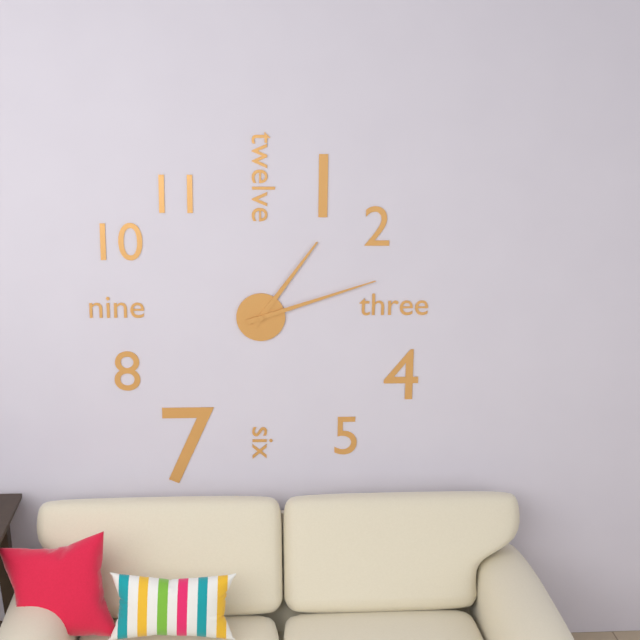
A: 1 h 12 min
